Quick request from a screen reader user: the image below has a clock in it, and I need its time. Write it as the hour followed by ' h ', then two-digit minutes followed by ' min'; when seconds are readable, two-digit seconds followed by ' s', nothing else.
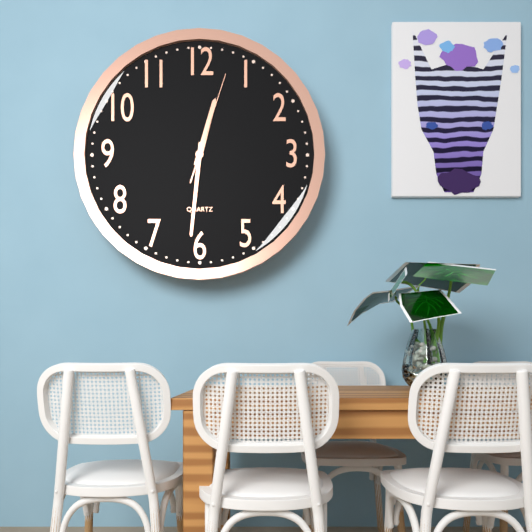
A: 12 h 31 min 03 s
